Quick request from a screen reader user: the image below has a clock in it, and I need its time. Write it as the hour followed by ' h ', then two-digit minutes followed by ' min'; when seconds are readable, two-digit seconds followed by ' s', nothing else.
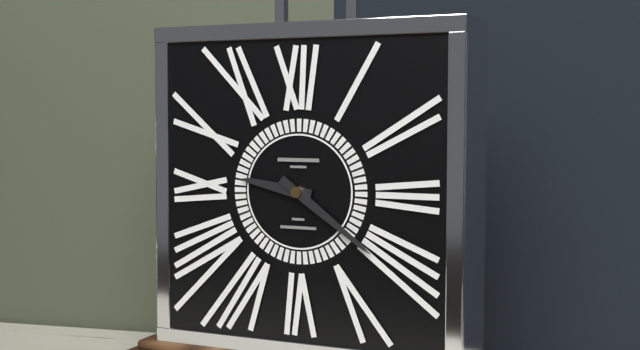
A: 9 h 21 min
